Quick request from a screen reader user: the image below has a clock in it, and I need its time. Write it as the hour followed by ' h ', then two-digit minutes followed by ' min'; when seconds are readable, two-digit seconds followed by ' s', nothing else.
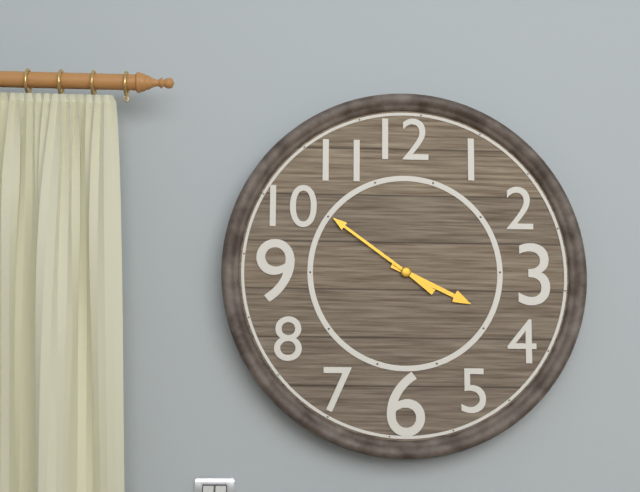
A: 3 h 51 min
